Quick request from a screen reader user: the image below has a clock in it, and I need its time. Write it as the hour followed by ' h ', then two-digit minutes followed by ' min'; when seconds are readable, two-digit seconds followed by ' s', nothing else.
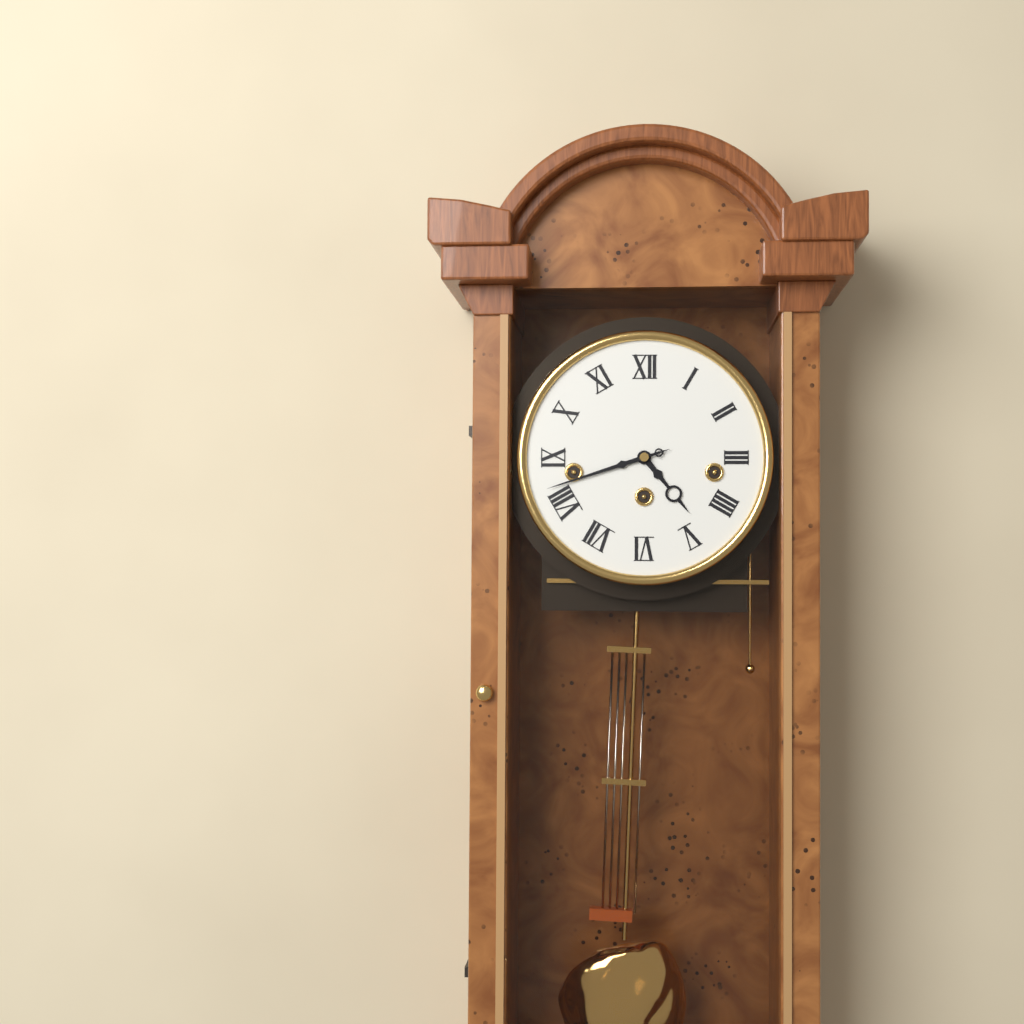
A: 4 h 42 min
